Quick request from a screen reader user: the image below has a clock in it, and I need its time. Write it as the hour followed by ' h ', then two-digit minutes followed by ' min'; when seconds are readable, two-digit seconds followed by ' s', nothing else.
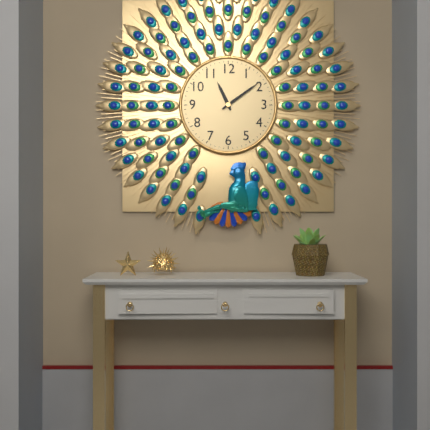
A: 11 h 09 min
